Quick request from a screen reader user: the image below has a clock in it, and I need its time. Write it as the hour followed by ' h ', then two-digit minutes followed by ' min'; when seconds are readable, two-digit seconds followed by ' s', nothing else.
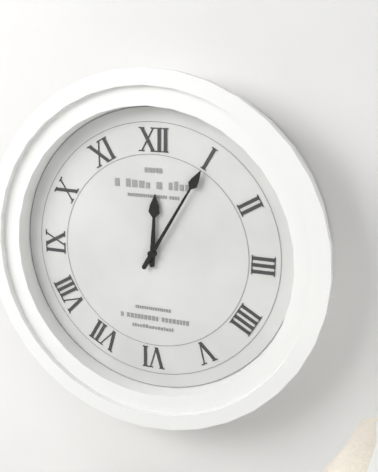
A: 12 h 05 min
